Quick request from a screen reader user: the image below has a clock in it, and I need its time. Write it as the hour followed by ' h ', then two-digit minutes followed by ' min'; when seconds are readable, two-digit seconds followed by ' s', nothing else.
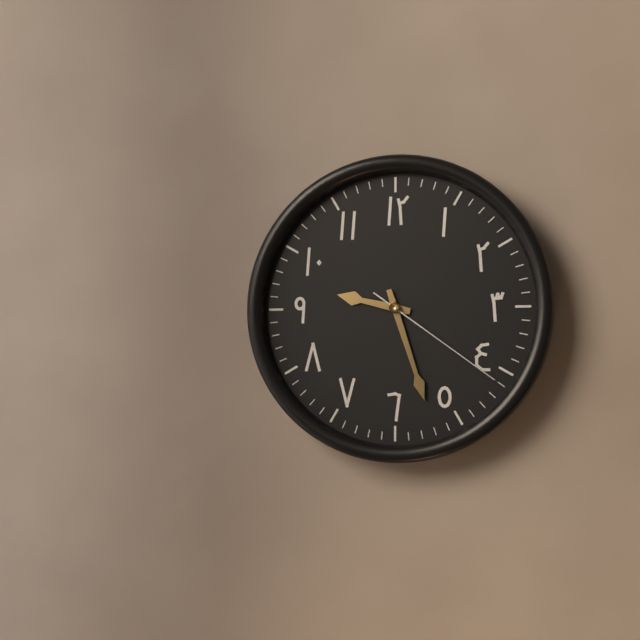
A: 9 h 27 min 21 s
